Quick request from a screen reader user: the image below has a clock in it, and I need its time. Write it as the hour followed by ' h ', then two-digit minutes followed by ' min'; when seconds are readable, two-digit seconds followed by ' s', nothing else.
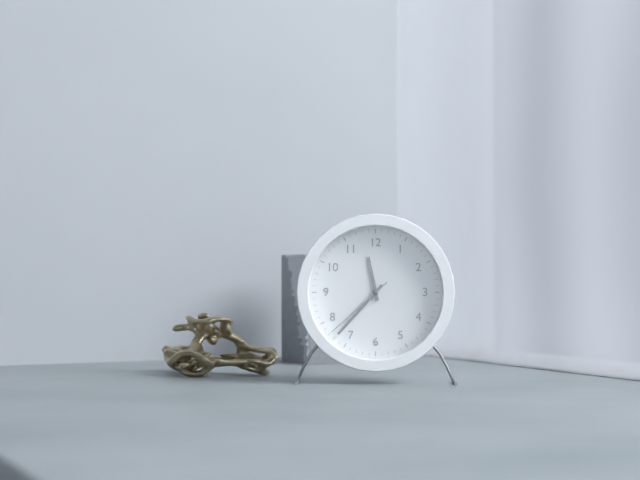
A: 11 h 37 min 38 s
